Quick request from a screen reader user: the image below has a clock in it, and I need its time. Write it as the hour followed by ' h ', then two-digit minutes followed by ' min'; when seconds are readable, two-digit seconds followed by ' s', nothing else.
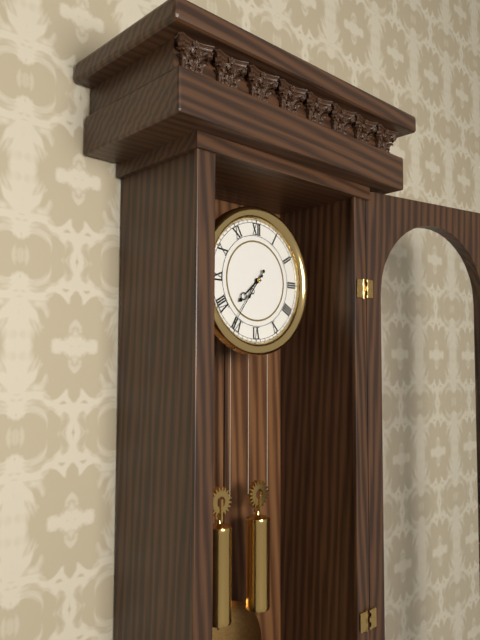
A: 7 h 36 min
